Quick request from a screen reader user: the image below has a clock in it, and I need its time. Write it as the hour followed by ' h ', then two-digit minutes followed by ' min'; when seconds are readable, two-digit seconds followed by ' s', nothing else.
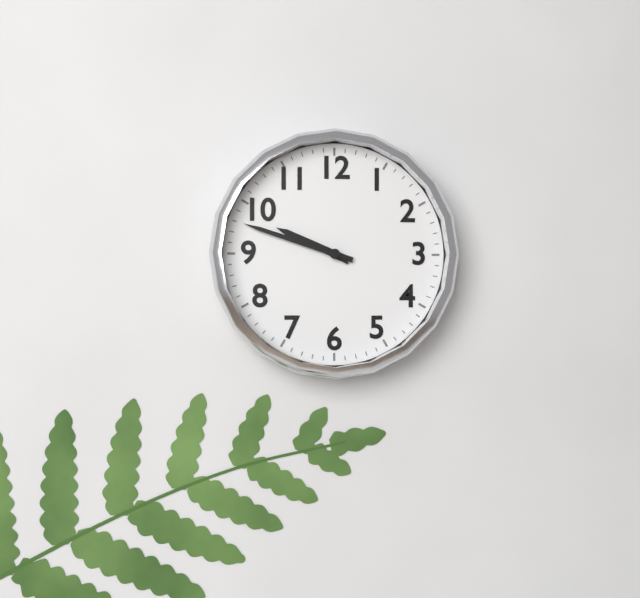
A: 9 h 48 min
